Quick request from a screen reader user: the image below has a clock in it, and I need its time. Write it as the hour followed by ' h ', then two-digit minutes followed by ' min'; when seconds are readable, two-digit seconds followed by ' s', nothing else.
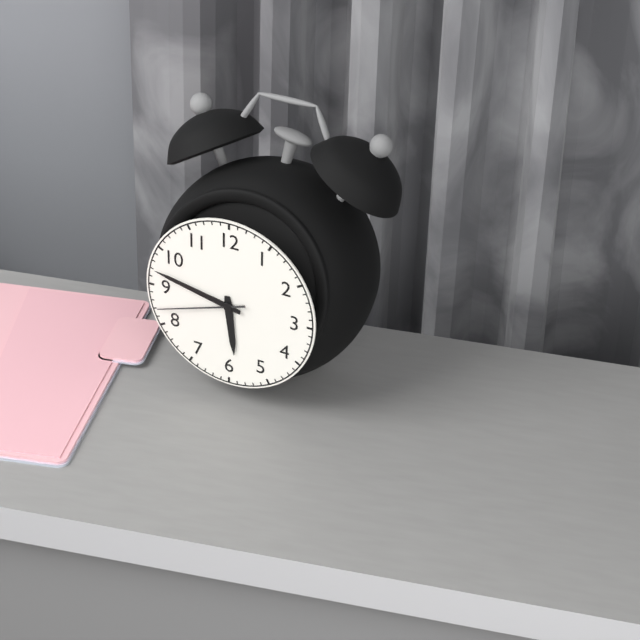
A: 5 h 47 min 42 s
